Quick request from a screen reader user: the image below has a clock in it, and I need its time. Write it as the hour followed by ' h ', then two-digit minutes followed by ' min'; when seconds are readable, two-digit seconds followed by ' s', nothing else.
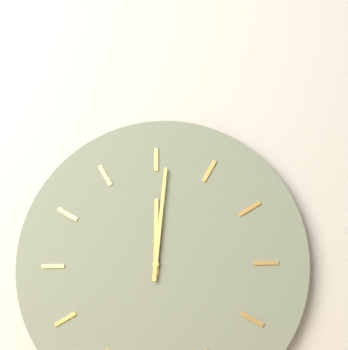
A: 12 h 01 min
